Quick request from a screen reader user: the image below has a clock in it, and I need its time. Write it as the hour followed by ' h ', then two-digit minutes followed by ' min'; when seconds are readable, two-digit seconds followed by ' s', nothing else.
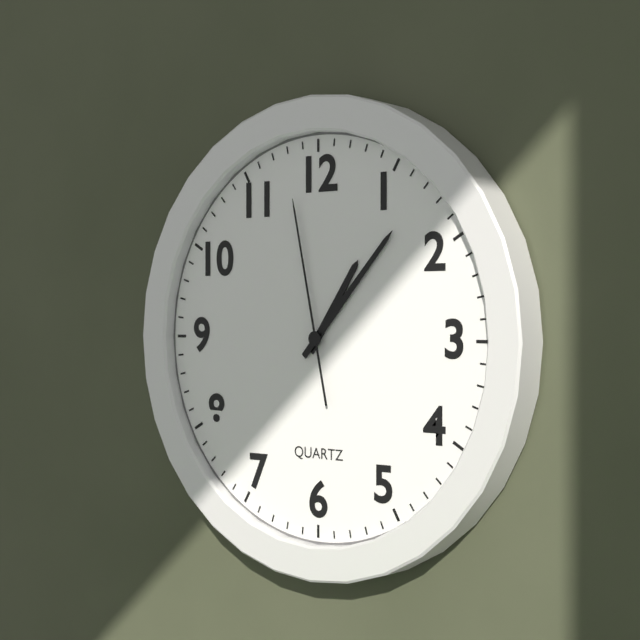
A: 1 h 07 min 58 s
